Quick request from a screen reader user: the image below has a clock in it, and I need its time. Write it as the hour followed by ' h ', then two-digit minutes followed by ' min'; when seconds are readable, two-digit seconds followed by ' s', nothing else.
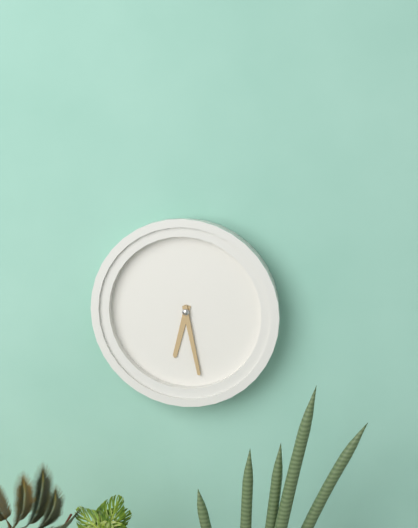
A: 6 h 28 min
